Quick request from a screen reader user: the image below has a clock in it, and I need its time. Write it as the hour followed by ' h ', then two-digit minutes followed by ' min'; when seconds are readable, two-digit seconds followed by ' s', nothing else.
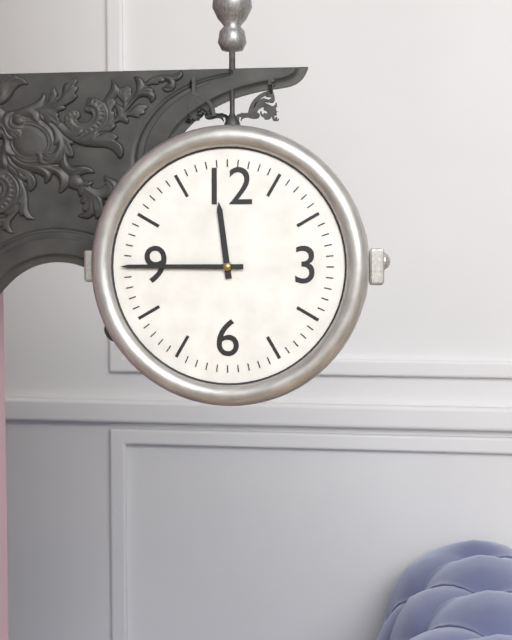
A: 11 h 45 min
